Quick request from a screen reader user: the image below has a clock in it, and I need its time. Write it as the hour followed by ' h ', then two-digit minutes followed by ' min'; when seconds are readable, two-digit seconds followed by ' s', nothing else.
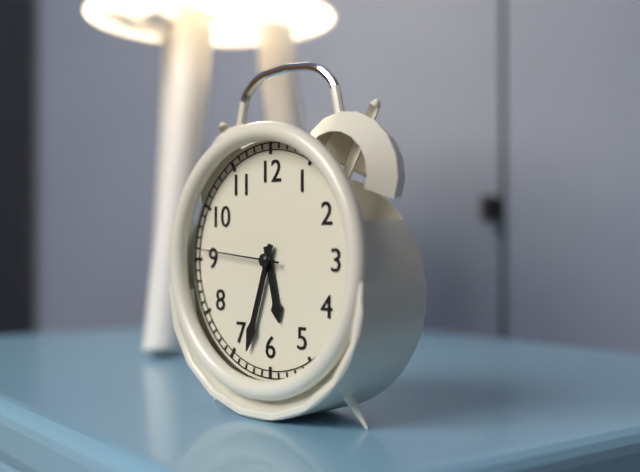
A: 5 h 33 min 46 s
